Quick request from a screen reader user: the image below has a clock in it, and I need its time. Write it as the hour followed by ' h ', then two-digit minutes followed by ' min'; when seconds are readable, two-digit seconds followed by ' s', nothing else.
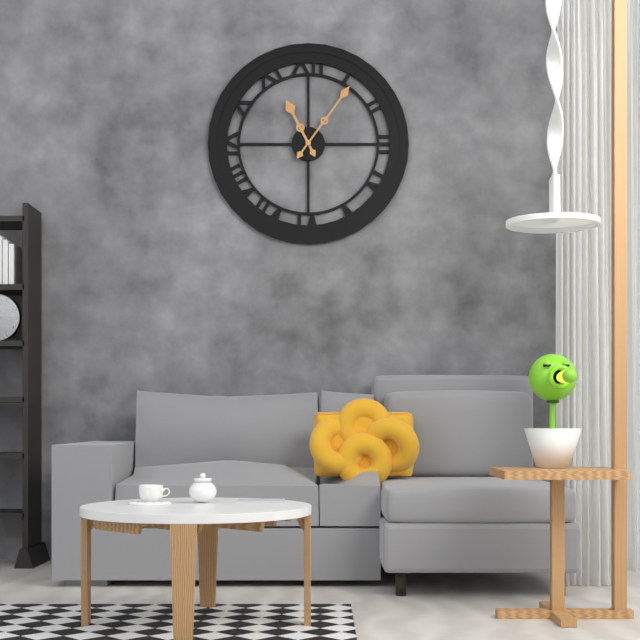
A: 11 h 06 min
